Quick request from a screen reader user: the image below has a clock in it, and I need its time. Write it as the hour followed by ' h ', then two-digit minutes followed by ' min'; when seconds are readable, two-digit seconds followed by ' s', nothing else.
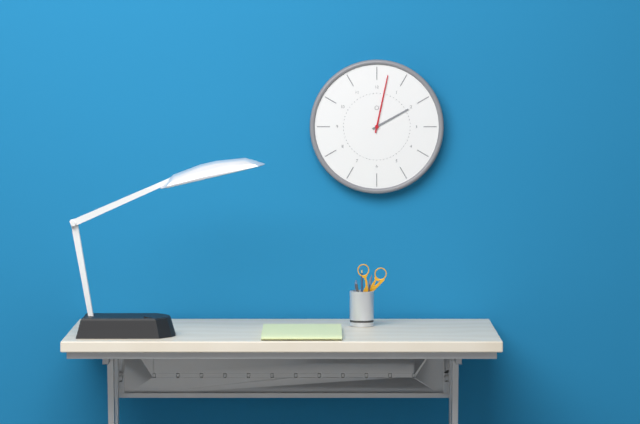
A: 2 h 02 min
